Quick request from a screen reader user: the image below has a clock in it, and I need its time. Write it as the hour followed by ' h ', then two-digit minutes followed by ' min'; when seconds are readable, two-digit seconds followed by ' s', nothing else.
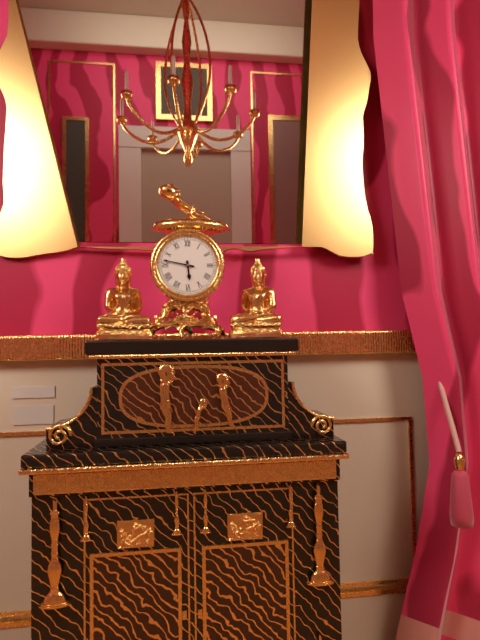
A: 5 h 47 min
